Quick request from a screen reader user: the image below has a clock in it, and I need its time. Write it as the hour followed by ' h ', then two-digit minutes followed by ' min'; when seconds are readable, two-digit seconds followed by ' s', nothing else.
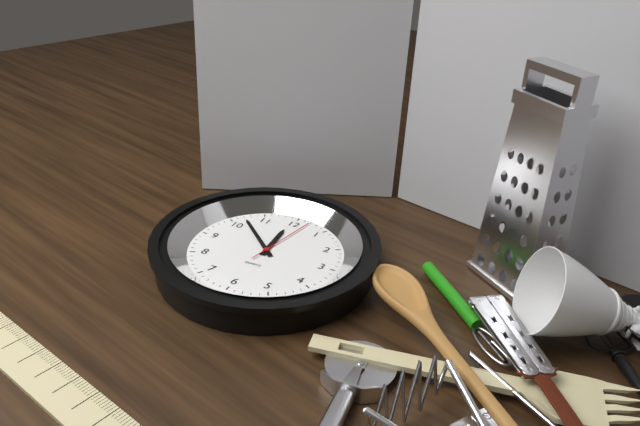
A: 11 h 52 min 02 s
